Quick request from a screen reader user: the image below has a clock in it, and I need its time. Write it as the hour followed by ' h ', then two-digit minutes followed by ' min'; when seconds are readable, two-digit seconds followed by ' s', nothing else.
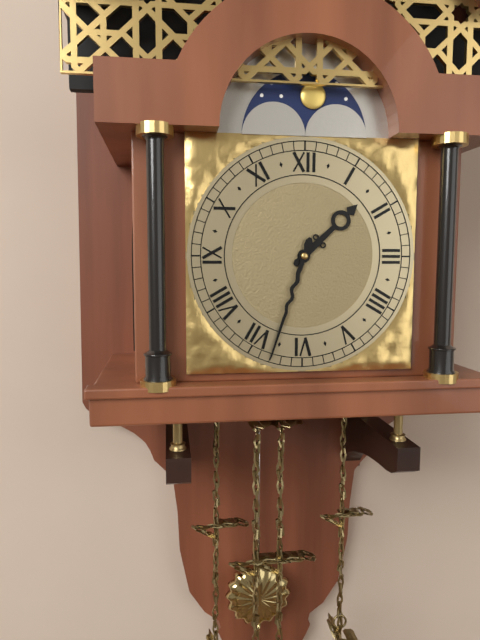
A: 1 h 33 min
